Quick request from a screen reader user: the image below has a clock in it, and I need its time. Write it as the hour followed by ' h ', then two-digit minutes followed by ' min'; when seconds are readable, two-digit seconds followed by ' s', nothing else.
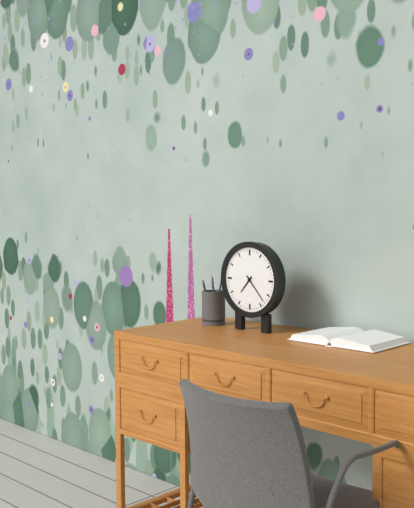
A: 7 h 23 min
